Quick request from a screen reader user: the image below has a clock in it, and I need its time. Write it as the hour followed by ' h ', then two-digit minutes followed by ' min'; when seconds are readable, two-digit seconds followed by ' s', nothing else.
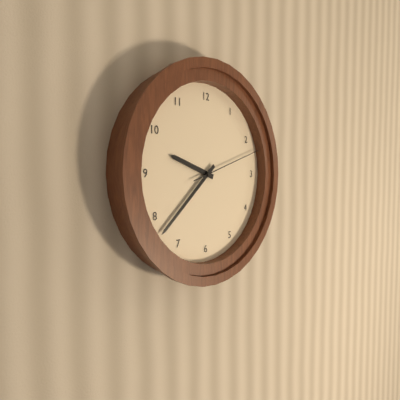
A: 9 h 38 min 12 s
